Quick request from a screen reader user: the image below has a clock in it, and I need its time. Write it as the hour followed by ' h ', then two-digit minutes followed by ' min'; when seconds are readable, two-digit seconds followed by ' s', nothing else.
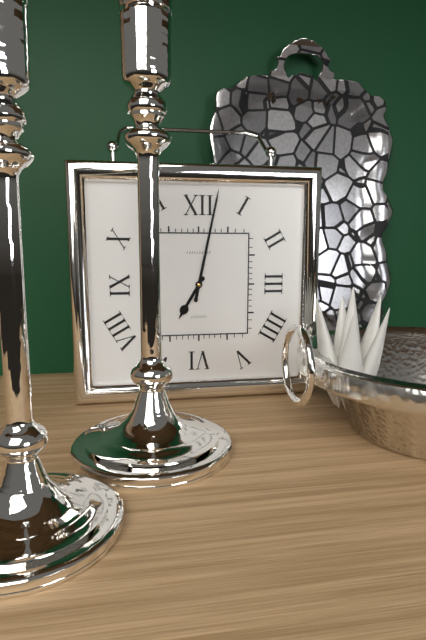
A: 7 h 02 min
